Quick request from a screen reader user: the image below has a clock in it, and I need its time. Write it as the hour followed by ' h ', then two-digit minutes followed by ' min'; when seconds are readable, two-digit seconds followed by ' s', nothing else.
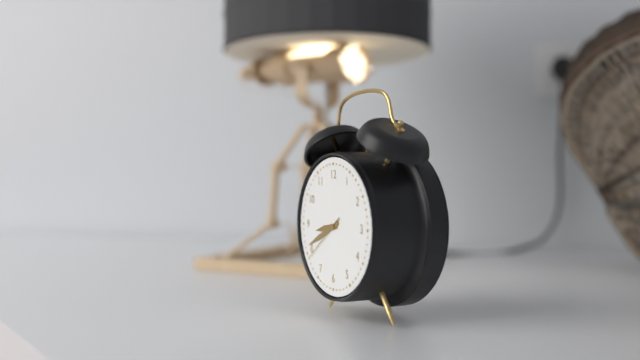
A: 8 h 41 min
